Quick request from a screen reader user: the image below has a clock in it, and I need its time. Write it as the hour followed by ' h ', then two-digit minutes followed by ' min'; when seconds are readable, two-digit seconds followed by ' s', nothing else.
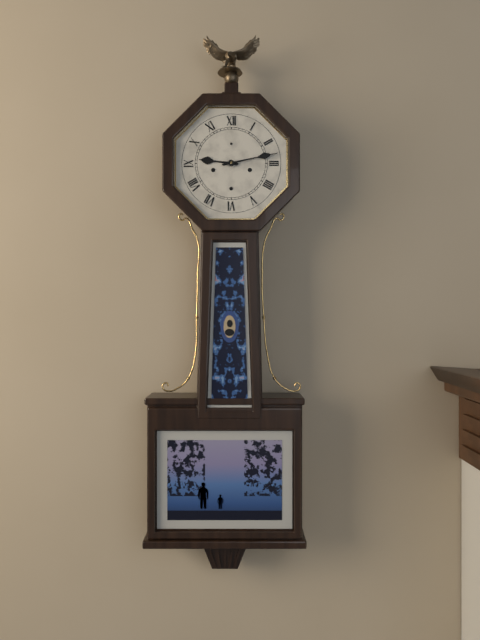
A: 9 h 13 min
